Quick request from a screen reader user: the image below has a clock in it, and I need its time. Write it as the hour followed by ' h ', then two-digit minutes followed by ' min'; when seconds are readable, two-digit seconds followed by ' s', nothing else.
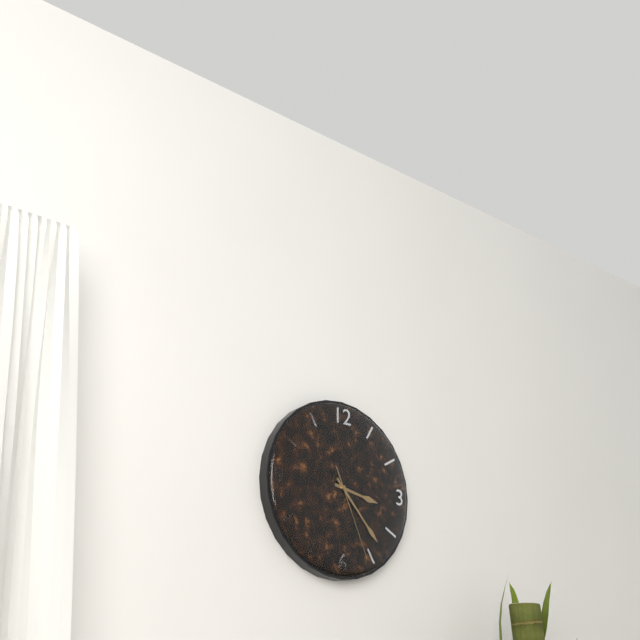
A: 3 h 23 min 26 s
